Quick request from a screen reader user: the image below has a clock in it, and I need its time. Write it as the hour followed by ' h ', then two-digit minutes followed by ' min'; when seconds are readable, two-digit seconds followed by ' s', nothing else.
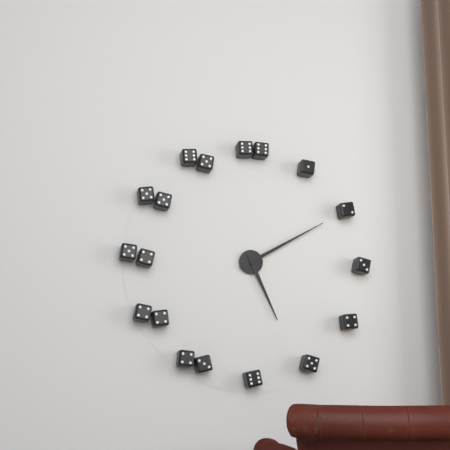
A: 5 h 10 min
